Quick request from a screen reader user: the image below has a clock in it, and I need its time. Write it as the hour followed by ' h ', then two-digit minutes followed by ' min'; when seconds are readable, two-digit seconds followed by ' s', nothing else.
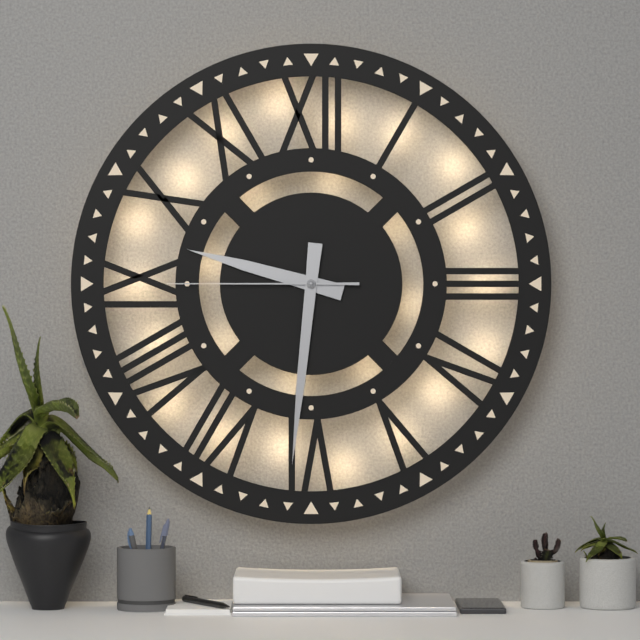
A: 9 h 31 min 45 s
